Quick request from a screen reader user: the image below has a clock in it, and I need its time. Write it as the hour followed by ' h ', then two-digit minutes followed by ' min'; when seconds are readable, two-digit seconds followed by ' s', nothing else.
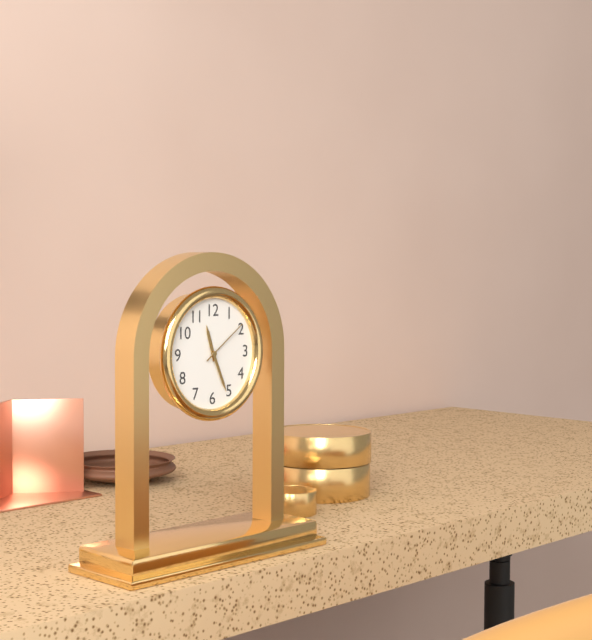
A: 11 h 26 min 09 s
